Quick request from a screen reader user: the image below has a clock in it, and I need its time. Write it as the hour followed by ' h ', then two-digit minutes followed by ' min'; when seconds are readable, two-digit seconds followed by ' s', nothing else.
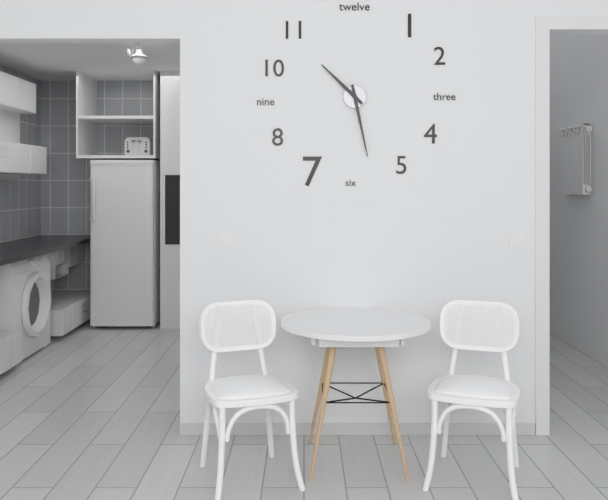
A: 10 h 28 min
